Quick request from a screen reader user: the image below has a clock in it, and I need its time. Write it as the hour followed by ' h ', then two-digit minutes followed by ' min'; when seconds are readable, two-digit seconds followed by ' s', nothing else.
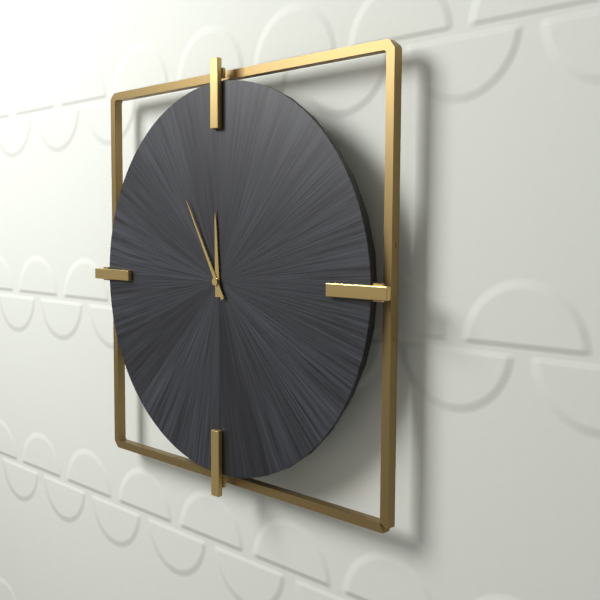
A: 11 h 55 min
